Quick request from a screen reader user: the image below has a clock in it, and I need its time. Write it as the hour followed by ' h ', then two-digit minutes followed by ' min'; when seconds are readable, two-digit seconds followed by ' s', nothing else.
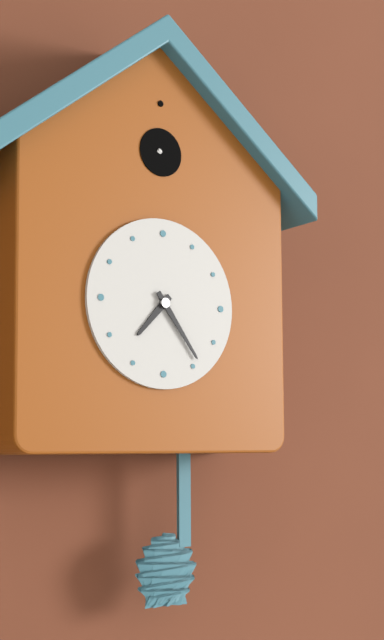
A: 7 h 24 min
